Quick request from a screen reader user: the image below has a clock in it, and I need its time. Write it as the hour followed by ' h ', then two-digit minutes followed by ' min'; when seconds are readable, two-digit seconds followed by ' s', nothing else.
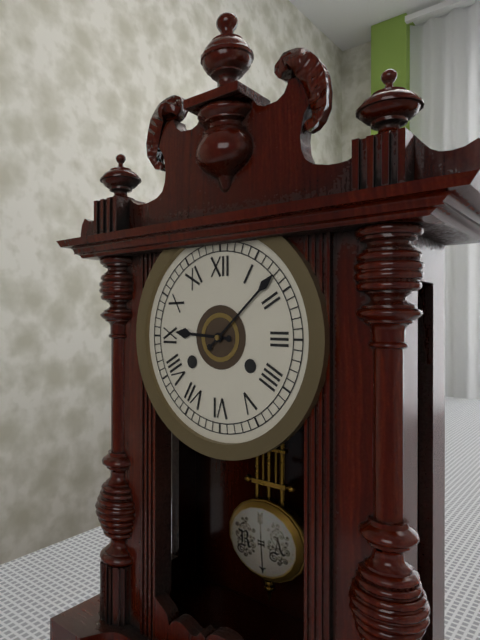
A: 9 h 08 min
